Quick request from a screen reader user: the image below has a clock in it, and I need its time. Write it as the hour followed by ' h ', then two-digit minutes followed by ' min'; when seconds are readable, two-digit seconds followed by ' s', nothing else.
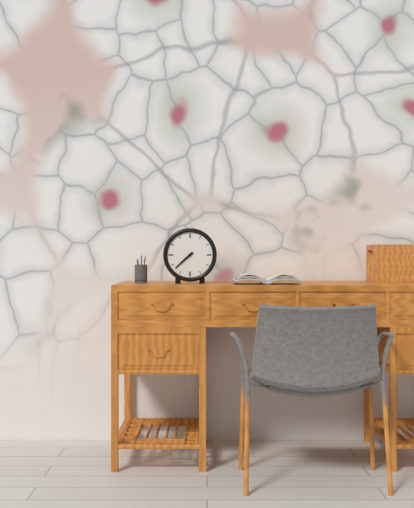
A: 7 h 38 min
